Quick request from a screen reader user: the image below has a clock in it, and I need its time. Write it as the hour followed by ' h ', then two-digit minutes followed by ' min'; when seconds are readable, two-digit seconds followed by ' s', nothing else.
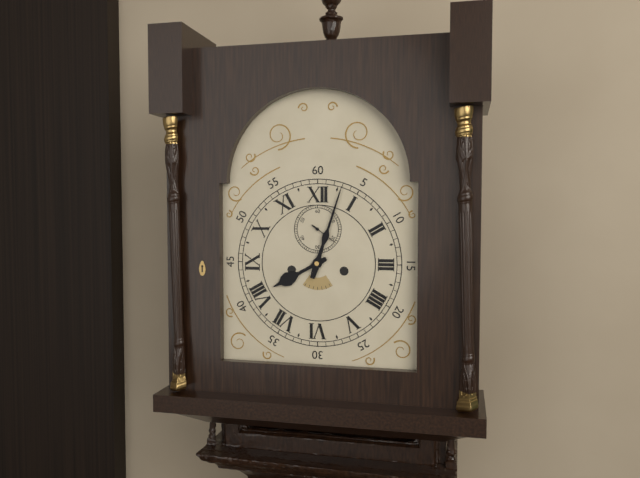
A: 8 h 03 min
